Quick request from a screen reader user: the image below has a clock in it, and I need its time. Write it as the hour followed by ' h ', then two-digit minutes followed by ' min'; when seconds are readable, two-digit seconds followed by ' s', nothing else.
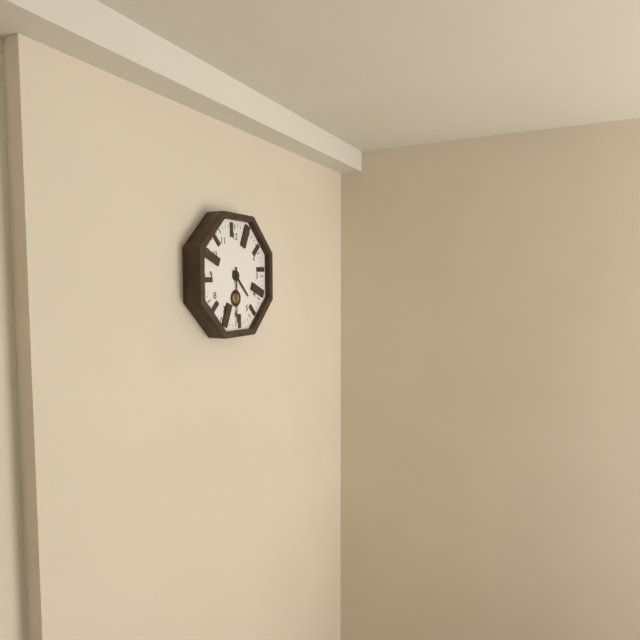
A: 4 h 30 min
